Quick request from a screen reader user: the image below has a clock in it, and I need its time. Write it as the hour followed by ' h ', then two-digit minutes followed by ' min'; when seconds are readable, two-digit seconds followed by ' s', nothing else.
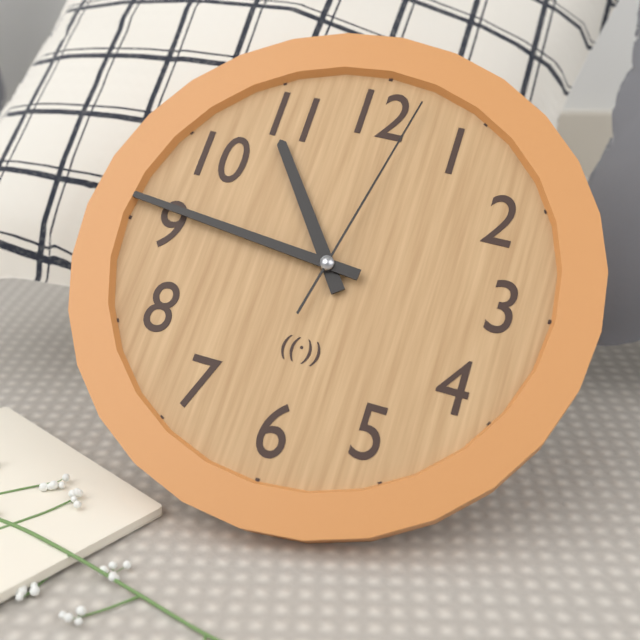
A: 10 h 46 min 02 s
